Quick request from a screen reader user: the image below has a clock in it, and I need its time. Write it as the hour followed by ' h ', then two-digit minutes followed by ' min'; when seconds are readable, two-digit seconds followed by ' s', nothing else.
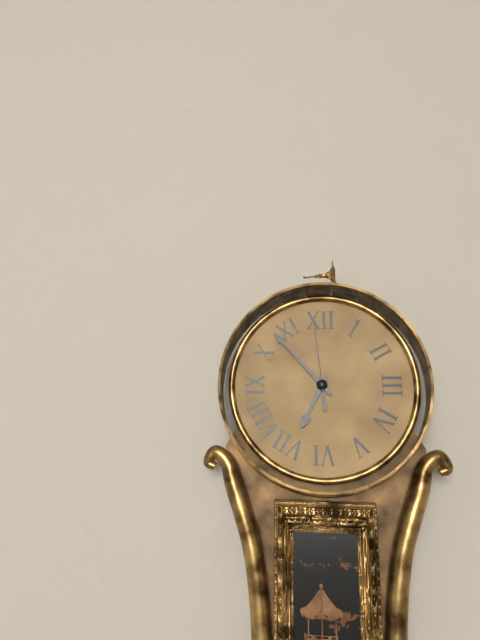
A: 6 h 53 min 59 s
